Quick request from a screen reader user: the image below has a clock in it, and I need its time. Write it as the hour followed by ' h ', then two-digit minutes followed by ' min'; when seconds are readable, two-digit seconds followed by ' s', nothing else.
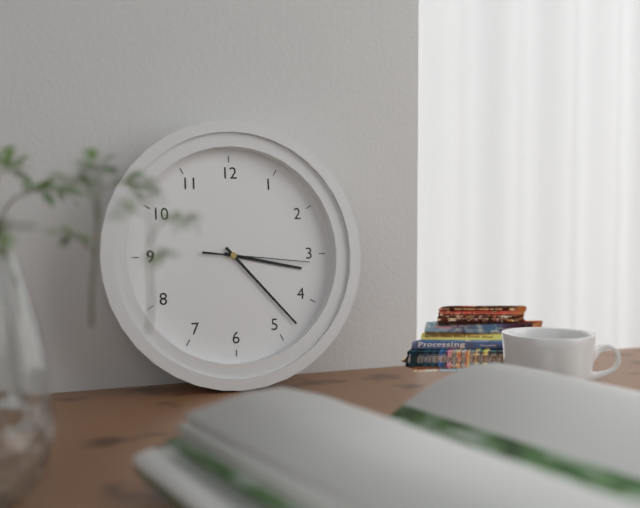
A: 3 h 23 min 16 s
